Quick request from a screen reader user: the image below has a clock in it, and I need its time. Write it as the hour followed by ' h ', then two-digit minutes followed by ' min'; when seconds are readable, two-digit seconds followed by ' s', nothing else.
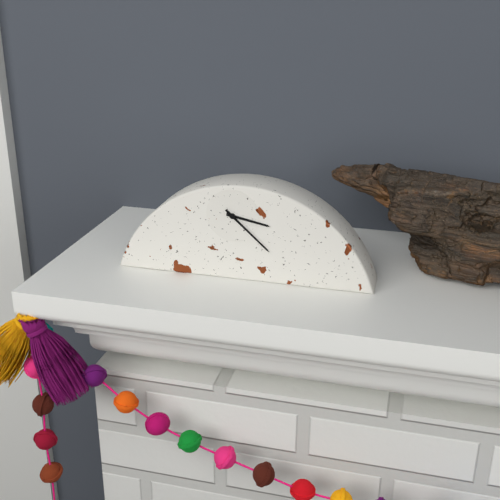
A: 3 h 22 min
